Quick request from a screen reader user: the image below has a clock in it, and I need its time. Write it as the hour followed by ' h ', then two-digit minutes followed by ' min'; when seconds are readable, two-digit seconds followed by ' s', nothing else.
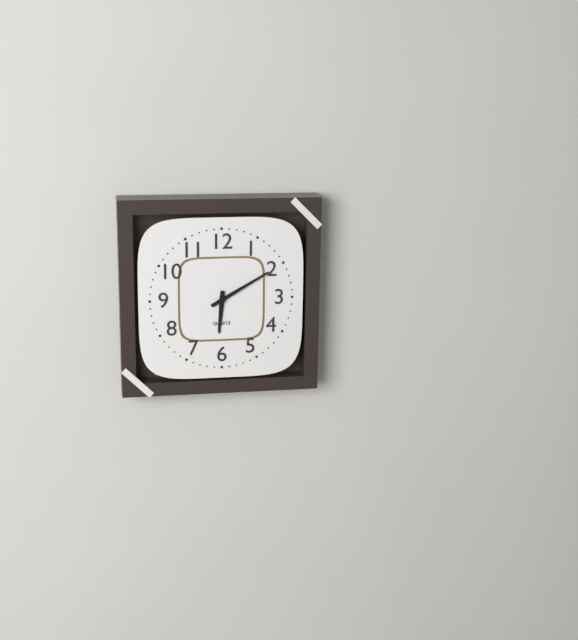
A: 6 h 10 min
